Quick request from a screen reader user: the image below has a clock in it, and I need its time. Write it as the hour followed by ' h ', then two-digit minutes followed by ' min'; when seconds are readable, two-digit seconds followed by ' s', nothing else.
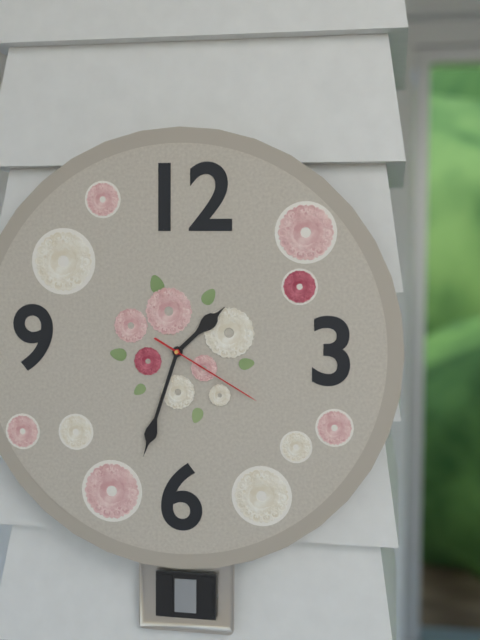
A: 1 h 33 min 20 s
